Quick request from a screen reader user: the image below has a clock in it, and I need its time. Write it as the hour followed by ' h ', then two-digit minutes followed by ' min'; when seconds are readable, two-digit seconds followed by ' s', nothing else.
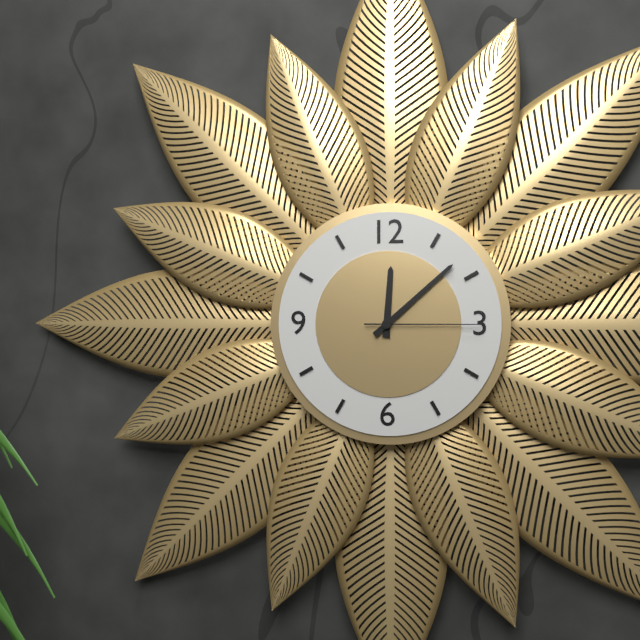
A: 12 h 08 min 15 s
